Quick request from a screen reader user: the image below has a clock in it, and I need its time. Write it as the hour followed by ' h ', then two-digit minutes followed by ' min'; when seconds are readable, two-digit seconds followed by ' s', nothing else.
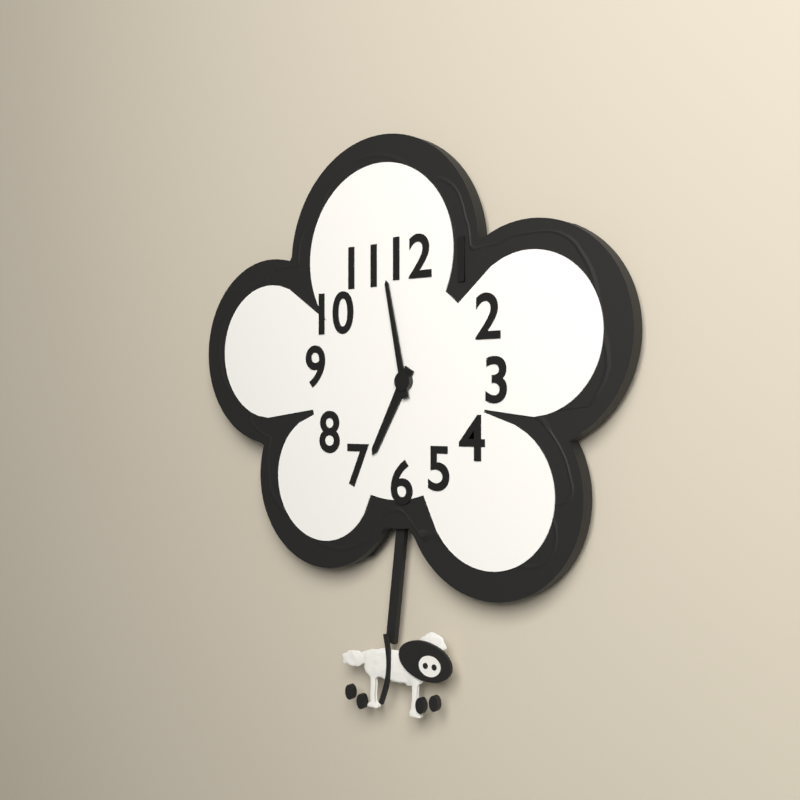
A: 6 h 58 min
